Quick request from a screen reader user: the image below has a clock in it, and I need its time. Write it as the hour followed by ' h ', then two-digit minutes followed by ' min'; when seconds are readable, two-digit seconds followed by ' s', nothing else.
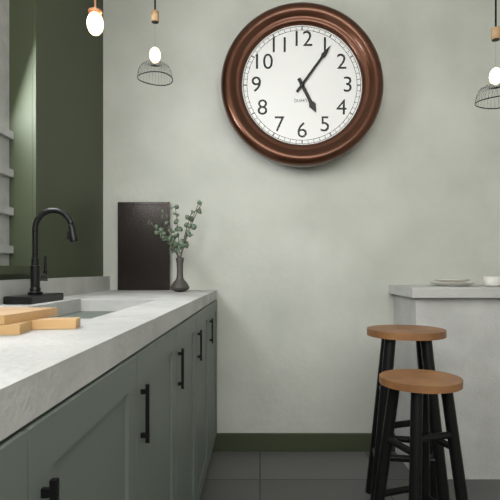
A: 5 h 06 min
